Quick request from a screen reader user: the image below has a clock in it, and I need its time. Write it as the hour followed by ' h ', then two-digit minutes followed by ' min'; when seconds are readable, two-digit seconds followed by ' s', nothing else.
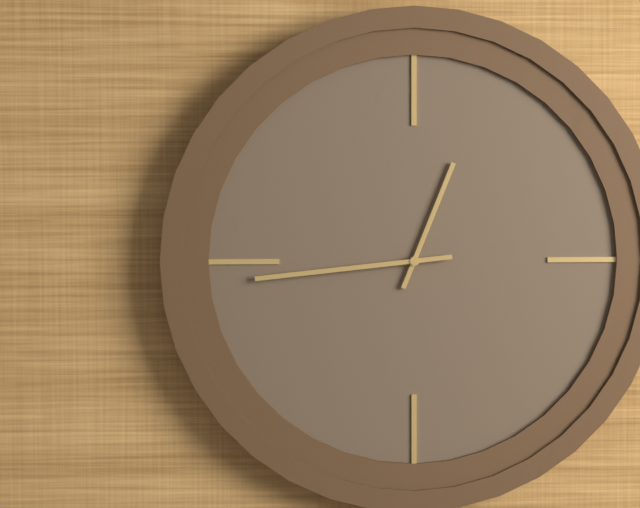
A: 12 h 44 min
